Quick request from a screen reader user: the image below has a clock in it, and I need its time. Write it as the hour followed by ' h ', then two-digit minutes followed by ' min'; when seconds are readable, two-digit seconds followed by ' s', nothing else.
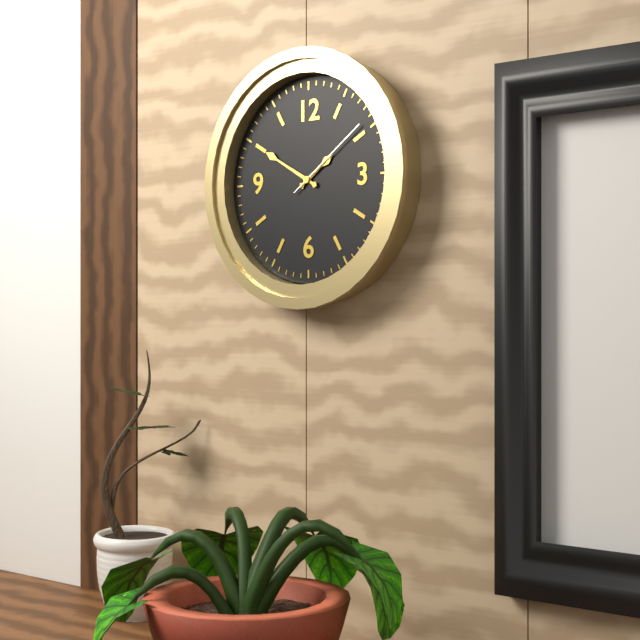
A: 1 h 50 min 09 s
